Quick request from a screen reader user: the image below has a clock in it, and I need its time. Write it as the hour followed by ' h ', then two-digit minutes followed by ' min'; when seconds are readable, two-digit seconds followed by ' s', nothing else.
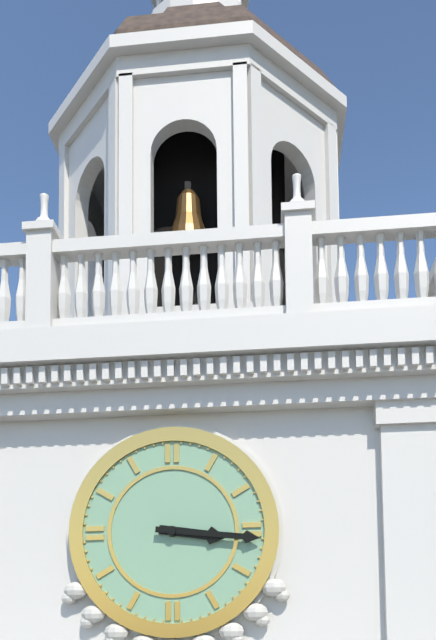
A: 3 h 16 min
